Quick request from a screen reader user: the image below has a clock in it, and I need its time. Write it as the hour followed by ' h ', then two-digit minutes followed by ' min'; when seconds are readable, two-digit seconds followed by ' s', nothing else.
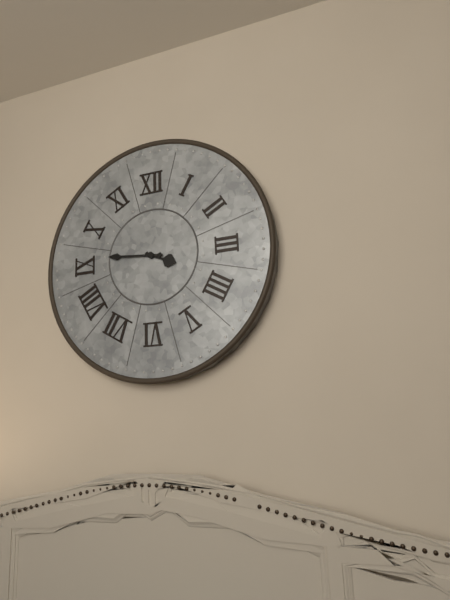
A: 3 h 46 min
